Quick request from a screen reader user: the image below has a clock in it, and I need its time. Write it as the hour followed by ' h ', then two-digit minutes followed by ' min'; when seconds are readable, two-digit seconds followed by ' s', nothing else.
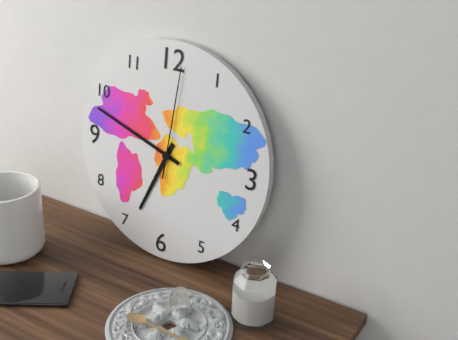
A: 6 h 48 min 01 s
